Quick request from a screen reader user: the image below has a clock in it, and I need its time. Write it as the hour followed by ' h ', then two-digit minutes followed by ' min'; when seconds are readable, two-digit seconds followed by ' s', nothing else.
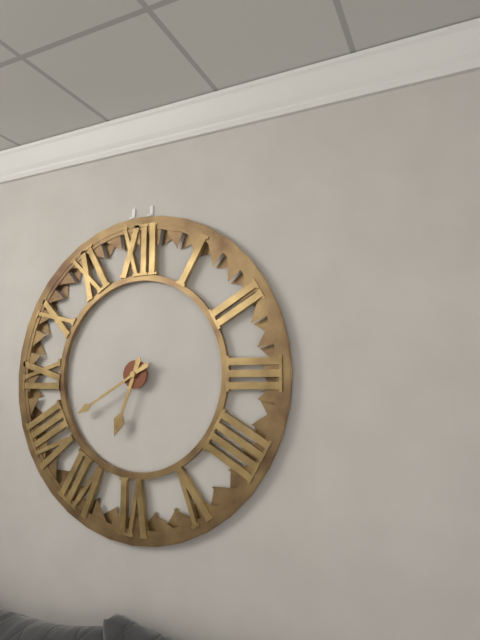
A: 6 h 40 min
